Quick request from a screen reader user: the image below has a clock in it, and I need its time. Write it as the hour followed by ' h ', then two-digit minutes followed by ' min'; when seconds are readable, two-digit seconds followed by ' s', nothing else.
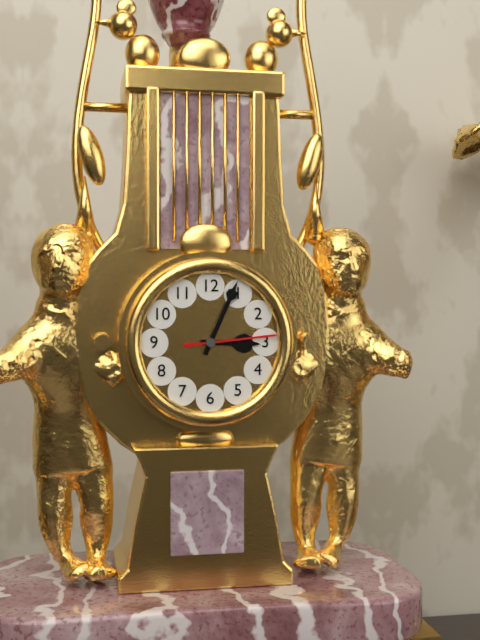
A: 3 h 04 min 14 s
